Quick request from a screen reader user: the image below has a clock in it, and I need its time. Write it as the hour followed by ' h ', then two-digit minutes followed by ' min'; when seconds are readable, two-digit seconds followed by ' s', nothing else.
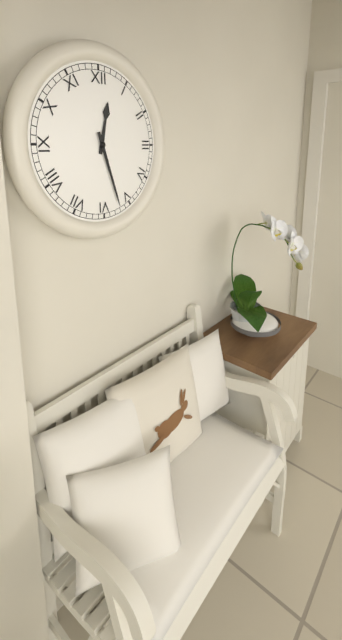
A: 12 h 27 min
